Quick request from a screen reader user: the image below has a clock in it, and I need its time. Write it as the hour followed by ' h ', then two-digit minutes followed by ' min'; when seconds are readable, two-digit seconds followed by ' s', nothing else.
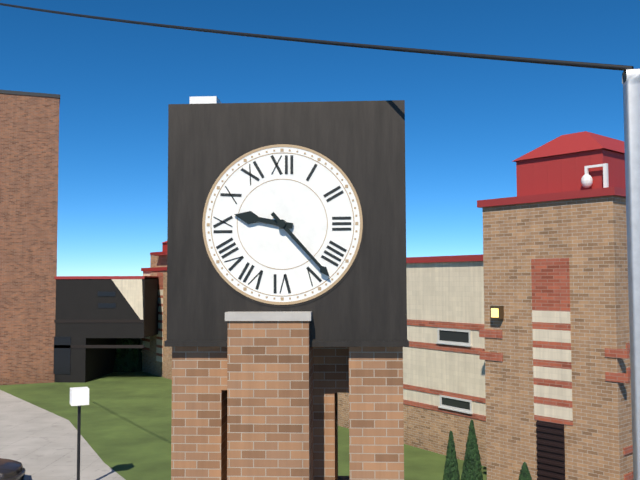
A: 9 h 23 min
